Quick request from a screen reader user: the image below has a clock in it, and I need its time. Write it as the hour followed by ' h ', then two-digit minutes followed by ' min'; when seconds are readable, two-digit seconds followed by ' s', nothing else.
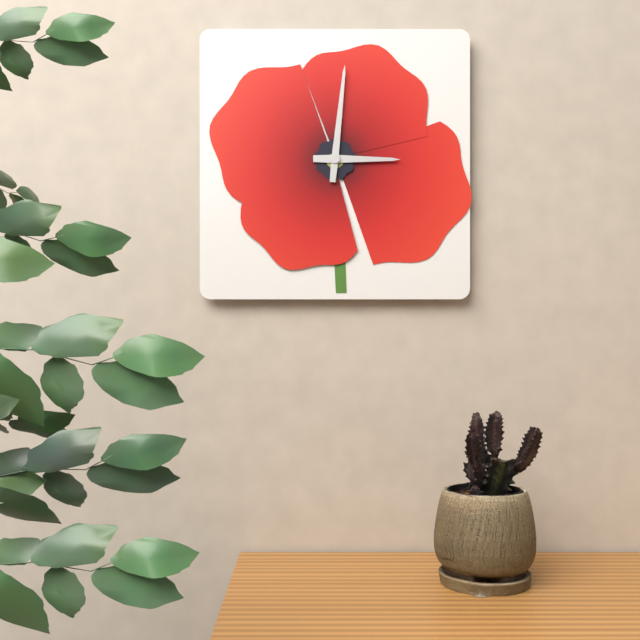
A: 3 h 01 min
